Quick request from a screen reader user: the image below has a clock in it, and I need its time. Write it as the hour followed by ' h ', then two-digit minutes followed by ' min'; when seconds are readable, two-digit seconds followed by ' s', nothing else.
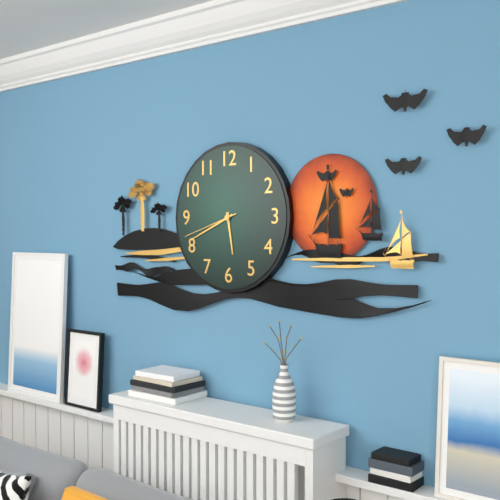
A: 5 h 41 min 42 s
